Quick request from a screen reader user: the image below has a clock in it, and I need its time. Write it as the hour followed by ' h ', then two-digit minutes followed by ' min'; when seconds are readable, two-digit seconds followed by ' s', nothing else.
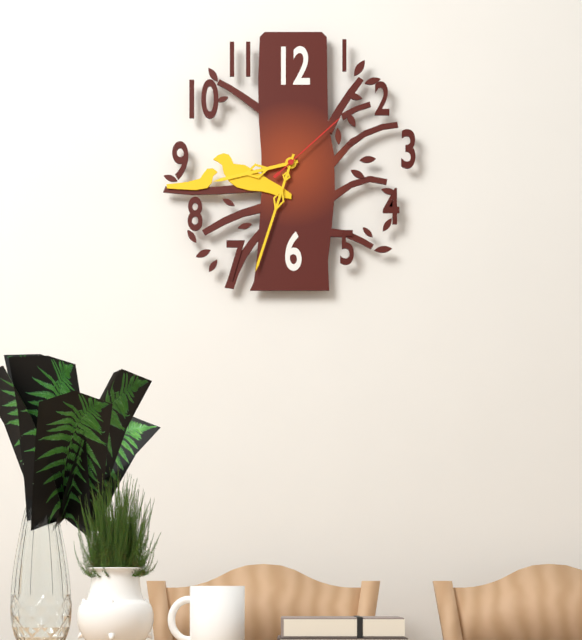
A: 8 h 33 min 08 s
